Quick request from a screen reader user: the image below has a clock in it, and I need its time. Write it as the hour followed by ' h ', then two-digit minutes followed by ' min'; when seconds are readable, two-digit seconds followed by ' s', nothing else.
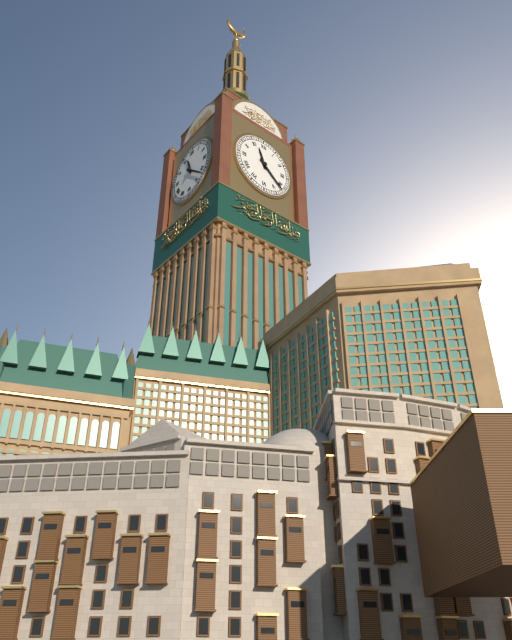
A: 11 h 22 min
